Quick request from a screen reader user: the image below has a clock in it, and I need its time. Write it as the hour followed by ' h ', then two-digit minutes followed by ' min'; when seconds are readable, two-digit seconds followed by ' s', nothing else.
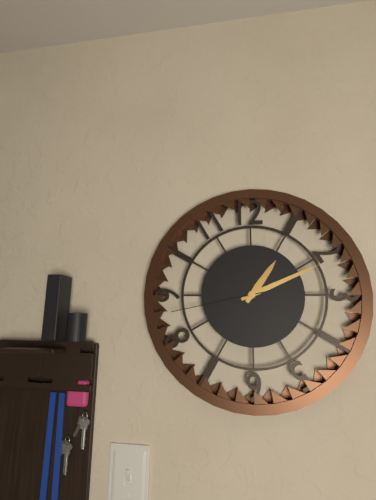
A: 1 h 11 min 43 s
